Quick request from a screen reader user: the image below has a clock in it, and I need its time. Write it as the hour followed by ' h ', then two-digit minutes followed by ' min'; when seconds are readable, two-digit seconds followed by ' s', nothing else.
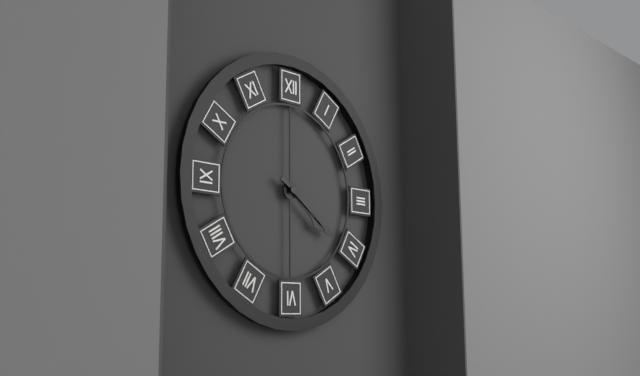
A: 4 h 21 min
